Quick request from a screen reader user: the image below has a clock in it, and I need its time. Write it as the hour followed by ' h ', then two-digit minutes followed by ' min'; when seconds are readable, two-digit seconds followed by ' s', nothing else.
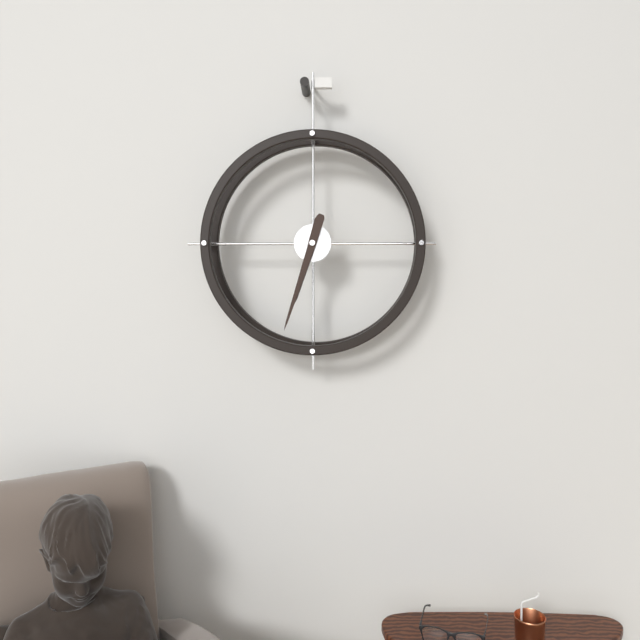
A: 6 h 33 min
